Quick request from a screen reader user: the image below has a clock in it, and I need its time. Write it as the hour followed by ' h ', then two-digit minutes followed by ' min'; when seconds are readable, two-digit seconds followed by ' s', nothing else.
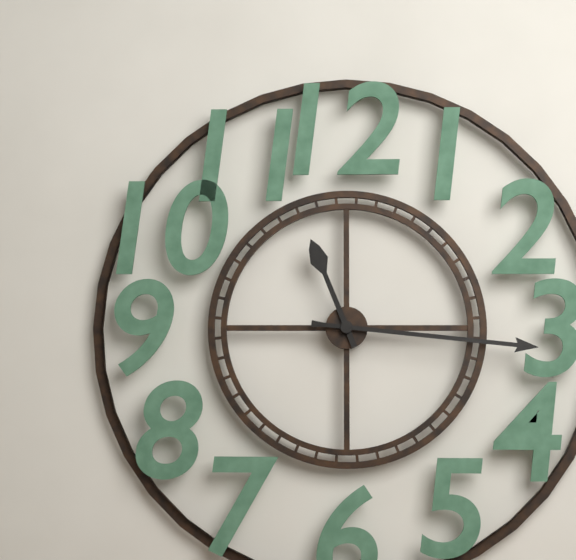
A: 11 h 16 min
